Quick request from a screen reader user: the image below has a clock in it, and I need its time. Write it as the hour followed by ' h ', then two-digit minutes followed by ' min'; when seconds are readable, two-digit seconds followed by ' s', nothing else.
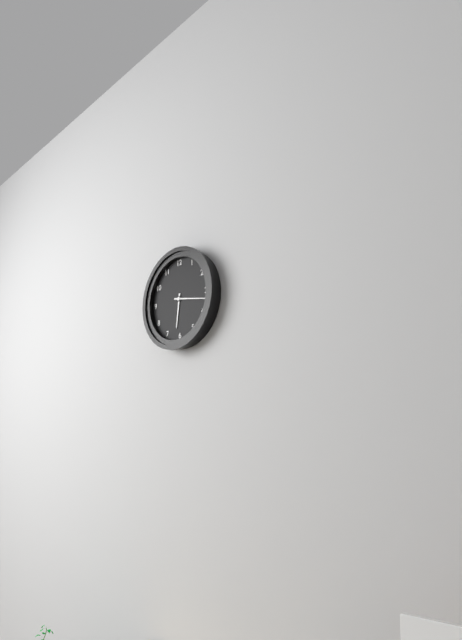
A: 6 h 17 min
